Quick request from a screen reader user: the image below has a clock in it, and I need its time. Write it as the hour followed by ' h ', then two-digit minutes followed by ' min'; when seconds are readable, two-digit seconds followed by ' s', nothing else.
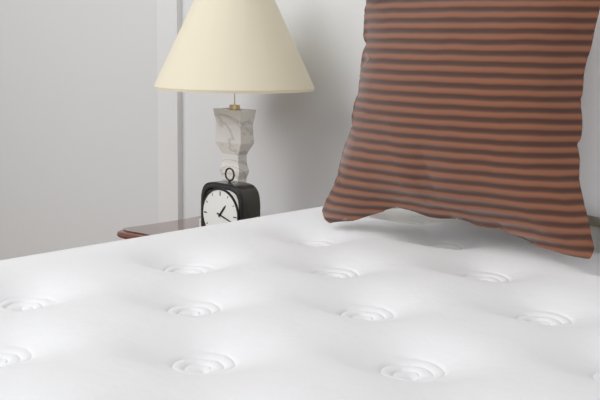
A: 1 h 18 min
